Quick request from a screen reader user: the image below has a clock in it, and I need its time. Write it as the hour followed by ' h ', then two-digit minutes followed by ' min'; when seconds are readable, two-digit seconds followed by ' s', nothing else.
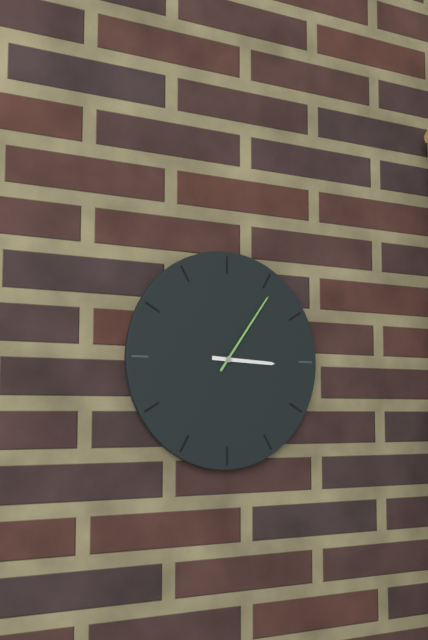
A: 3 h 06 min
